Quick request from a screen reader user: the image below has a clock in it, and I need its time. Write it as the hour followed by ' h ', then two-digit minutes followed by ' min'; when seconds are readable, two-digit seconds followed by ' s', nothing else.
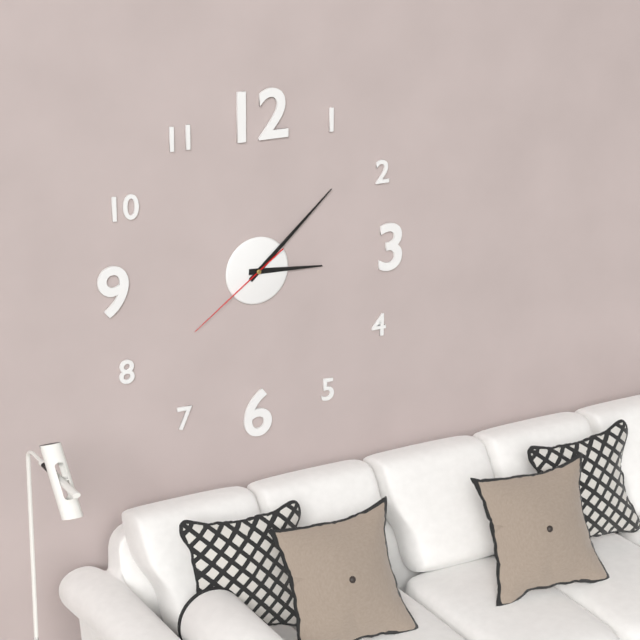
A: 3 h 08 min 39 s
